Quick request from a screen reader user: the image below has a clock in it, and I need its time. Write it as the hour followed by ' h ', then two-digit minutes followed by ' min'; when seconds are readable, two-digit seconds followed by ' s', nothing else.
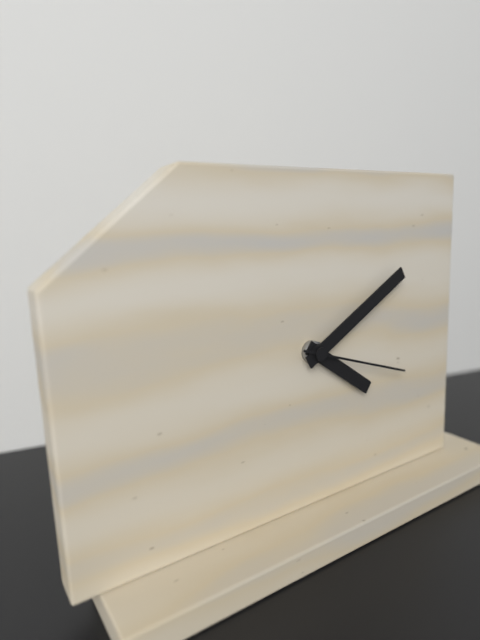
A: 4 h 10 min 18 s
